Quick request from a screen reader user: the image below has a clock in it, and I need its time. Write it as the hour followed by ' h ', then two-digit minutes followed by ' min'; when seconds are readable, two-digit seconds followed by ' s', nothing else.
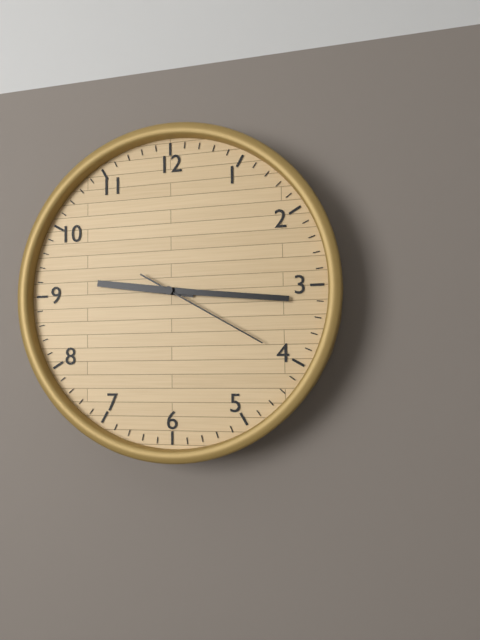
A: 9 h 16 min 20 s
